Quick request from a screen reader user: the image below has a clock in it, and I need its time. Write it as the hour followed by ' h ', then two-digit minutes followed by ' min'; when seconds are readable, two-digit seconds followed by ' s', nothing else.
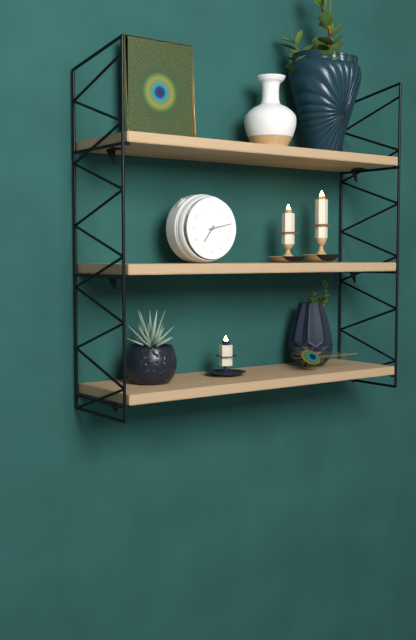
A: 7 h 13 min
